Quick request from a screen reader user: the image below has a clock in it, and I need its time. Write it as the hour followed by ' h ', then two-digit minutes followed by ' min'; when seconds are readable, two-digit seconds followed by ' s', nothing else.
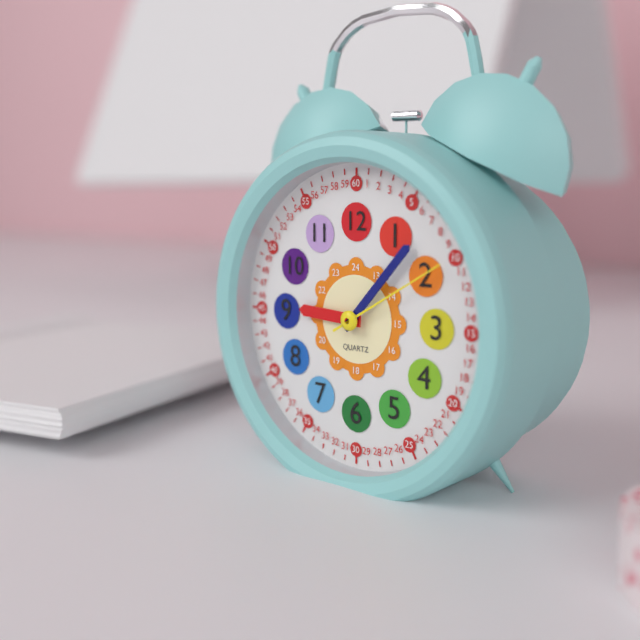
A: 9 h 07 min 10 s
